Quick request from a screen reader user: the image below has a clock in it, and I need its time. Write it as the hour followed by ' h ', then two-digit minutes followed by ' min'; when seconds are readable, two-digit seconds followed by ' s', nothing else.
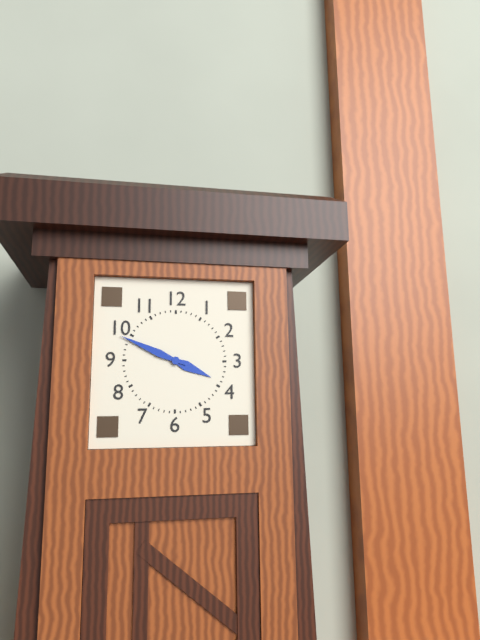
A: 3 h 49 min
